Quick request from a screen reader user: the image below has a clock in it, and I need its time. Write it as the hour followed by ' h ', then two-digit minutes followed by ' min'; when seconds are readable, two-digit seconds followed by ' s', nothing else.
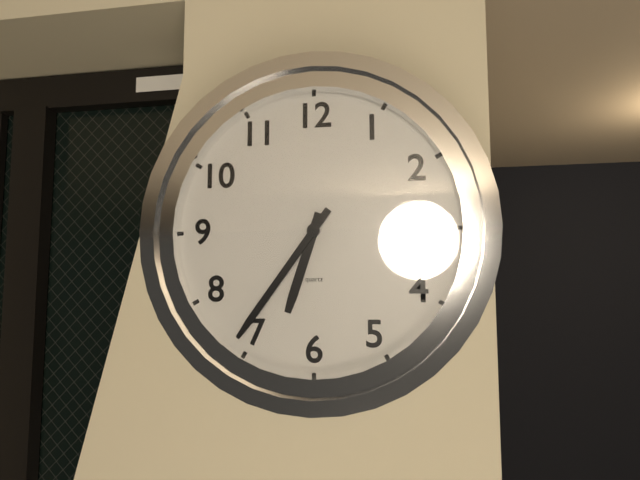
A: 6 h 36 min
